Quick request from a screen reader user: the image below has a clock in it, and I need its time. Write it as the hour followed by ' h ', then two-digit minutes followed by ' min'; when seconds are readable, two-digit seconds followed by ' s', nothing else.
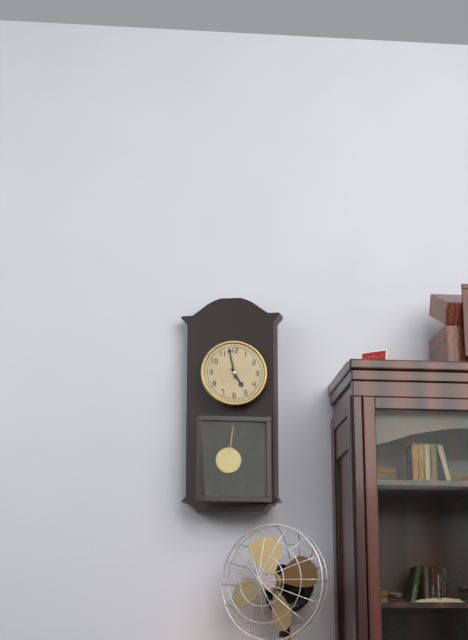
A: 4 h 58 min
